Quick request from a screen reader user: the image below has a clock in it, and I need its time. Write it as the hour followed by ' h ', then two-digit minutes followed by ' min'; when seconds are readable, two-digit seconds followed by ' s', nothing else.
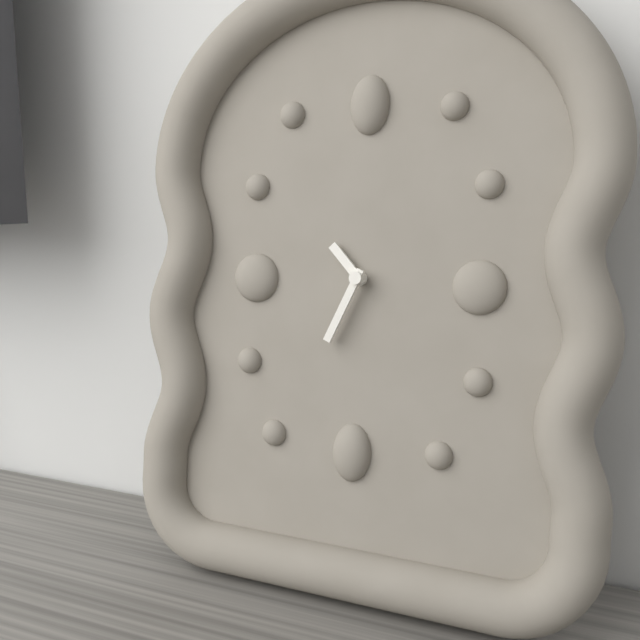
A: 10 h 34 min
